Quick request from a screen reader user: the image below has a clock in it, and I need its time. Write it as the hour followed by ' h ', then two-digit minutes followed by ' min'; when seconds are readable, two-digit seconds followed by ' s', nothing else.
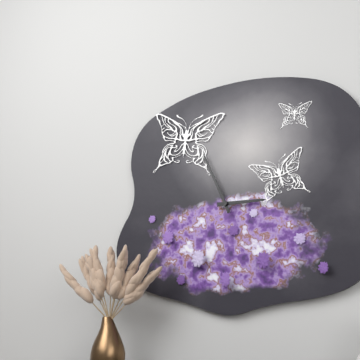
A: 2 h 56 min
